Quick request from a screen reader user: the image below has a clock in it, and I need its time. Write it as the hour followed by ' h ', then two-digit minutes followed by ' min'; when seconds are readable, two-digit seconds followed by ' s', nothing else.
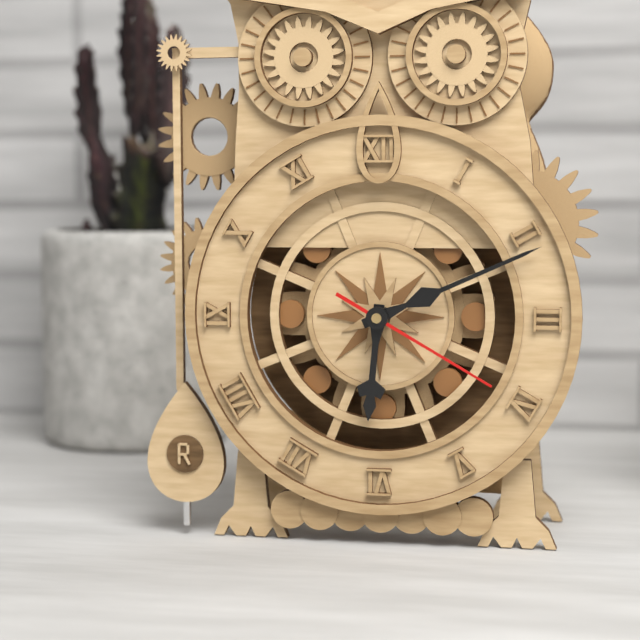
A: 6 h 11 min 20 s
